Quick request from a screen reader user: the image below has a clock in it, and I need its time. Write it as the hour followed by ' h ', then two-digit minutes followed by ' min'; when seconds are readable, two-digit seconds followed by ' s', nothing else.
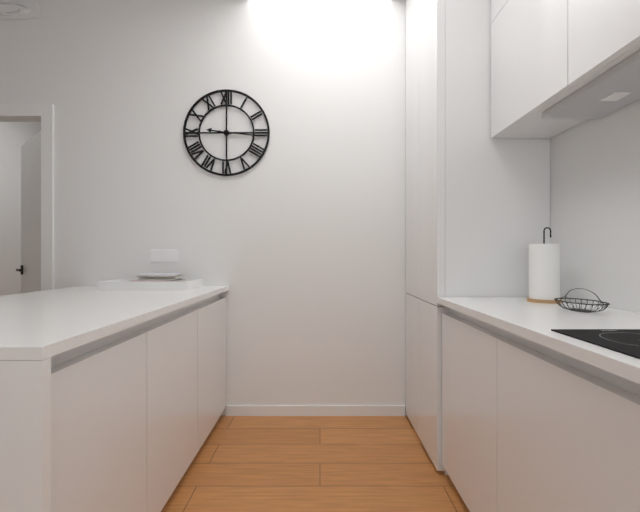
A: 9 h 16 min
